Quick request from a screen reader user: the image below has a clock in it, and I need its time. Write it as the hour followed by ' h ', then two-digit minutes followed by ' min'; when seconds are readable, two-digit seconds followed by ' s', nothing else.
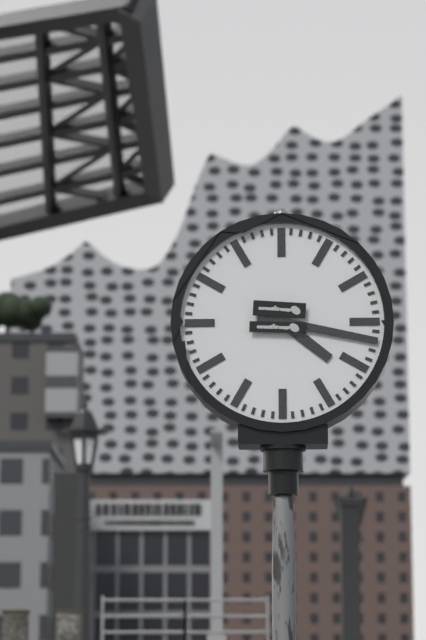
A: 4 h 17 min
